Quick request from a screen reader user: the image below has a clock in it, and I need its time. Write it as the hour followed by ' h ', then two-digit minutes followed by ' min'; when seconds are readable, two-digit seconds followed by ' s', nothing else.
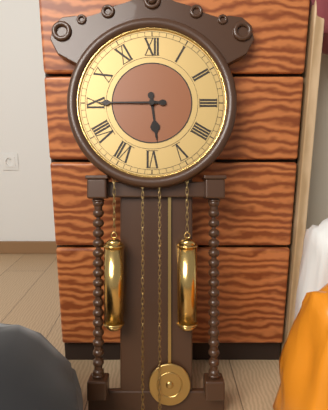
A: 5 h 45 min
